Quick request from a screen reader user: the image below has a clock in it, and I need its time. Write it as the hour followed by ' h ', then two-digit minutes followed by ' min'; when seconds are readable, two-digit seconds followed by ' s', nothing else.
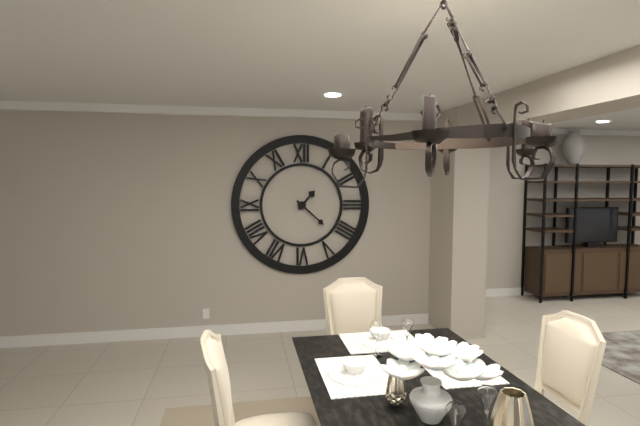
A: 1 h 22 min
